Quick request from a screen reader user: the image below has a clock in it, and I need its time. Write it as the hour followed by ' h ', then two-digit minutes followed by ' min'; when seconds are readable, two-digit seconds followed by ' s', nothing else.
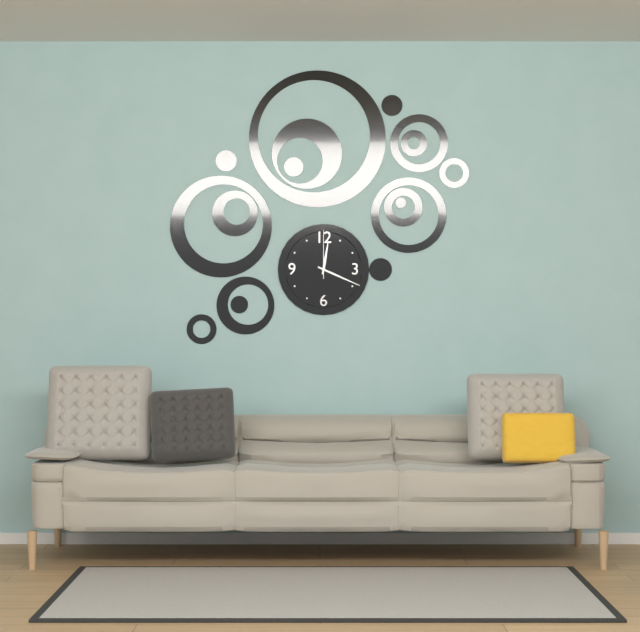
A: 12 h 19 min
